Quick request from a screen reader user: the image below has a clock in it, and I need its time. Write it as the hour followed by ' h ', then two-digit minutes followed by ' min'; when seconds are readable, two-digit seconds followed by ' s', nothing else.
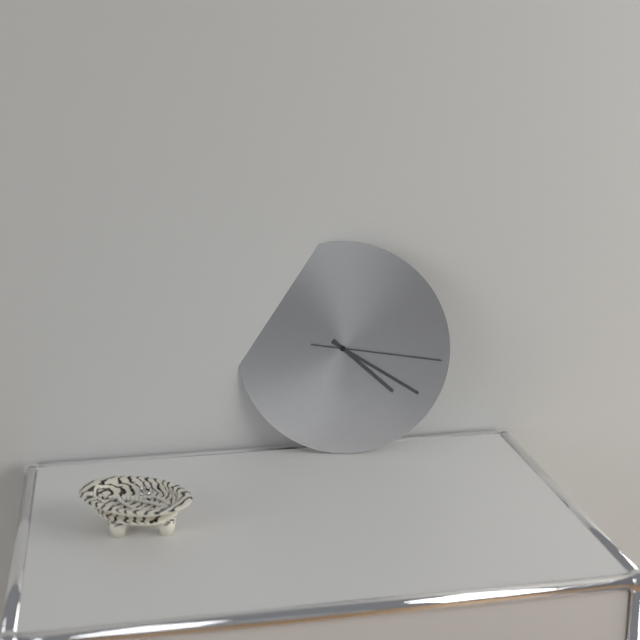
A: 4 h 20 min 16 s
